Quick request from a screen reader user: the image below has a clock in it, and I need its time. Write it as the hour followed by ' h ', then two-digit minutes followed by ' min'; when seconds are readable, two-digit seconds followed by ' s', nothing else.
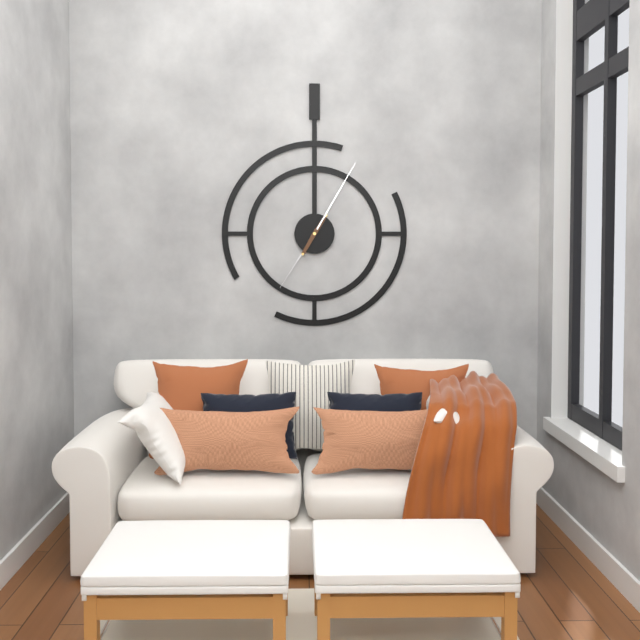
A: 7 h 05 min
